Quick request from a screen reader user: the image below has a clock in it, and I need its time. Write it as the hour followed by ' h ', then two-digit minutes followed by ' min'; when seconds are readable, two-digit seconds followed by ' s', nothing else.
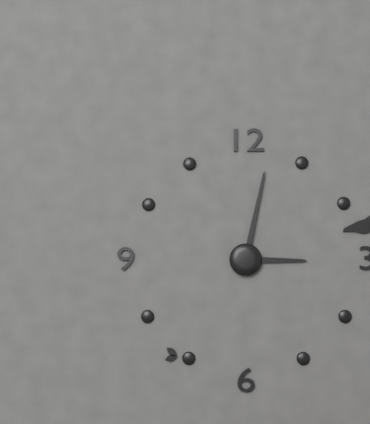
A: 3 h 02 min
